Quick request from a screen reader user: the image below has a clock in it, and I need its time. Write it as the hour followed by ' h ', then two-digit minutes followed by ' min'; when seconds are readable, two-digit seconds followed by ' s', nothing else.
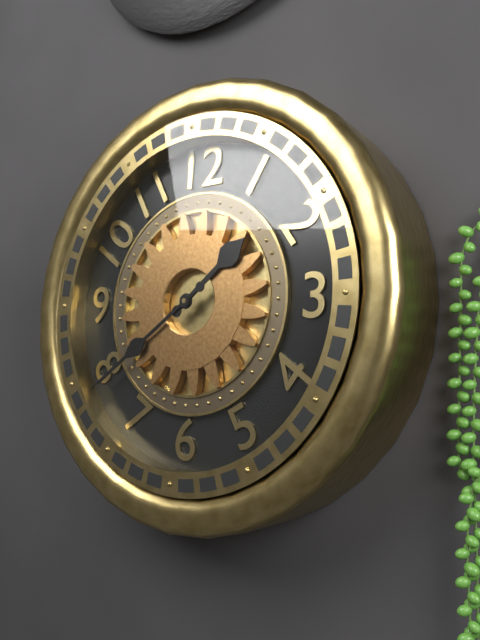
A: 1 h 39 min
